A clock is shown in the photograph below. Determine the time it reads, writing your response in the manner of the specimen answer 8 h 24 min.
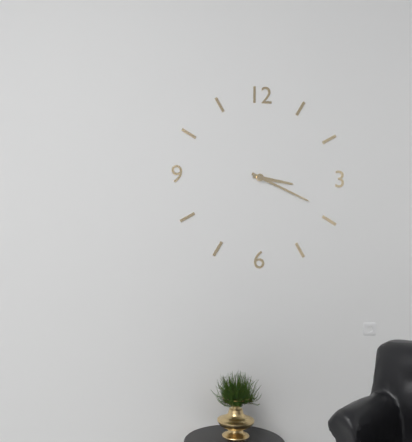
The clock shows 3 h 19 min
